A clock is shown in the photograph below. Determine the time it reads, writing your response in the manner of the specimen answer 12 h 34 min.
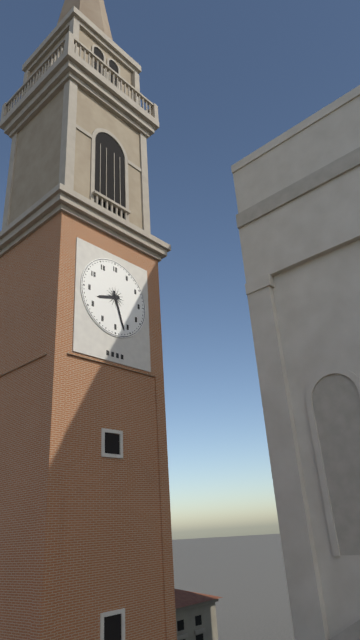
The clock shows 8 h 27 min
